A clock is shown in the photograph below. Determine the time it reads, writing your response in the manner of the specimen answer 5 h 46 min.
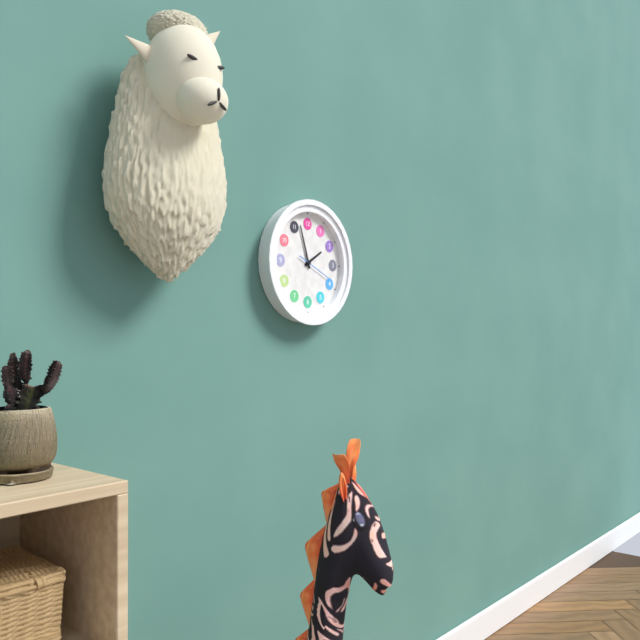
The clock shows 1 h 57 min
